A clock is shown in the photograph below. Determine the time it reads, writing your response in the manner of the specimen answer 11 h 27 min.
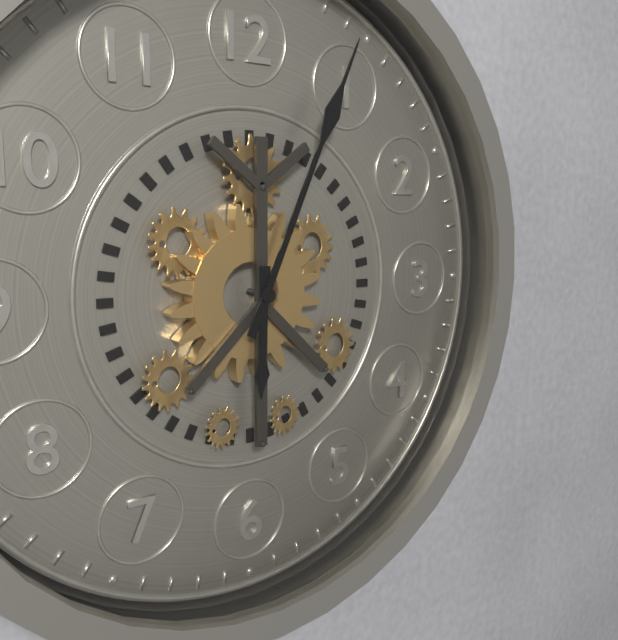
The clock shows 6 h 04 min
